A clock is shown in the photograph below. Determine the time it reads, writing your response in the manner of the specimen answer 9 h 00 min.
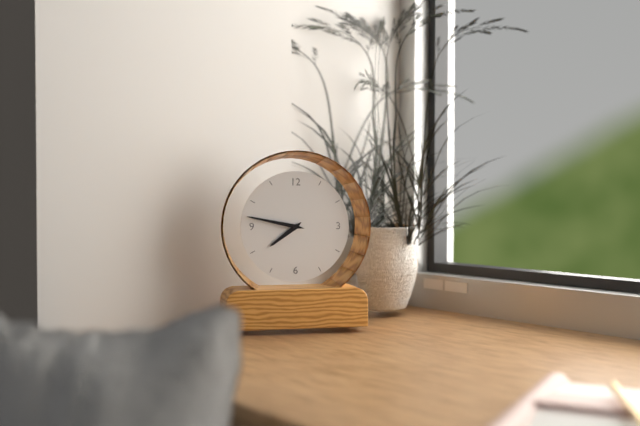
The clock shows 7 h 47 min
